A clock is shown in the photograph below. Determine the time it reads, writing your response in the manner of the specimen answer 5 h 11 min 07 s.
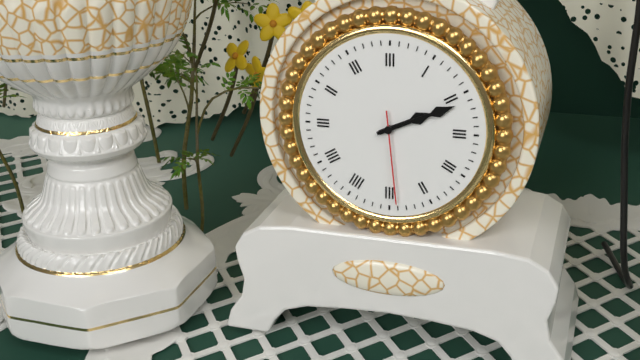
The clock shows 2 h 11 min 29 s
